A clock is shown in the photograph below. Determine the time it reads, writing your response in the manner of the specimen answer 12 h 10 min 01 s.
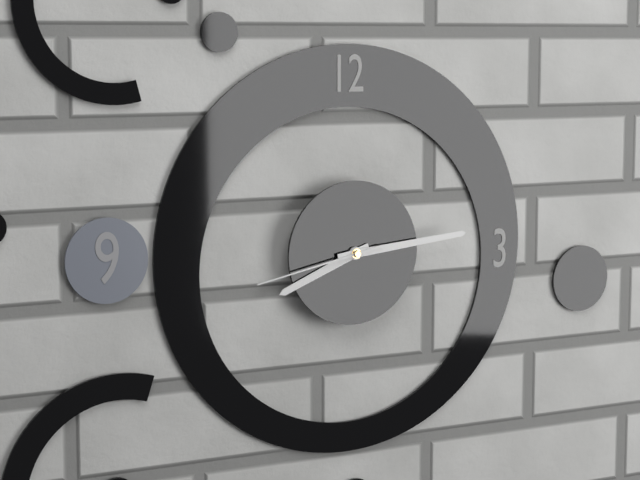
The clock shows 8 h 14 min 43 s
